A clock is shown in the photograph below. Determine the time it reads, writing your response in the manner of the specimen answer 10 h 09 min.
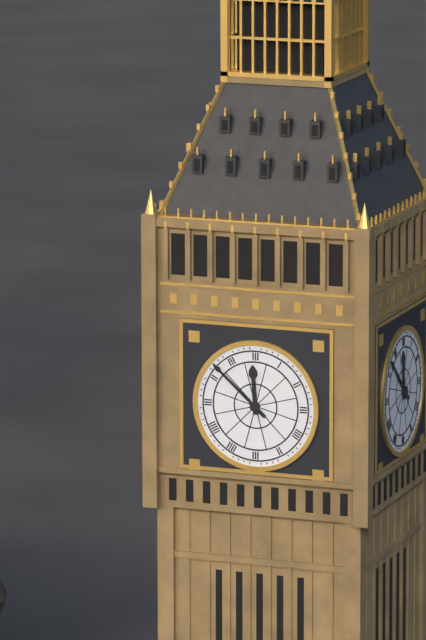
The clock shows 11 h 52 min
